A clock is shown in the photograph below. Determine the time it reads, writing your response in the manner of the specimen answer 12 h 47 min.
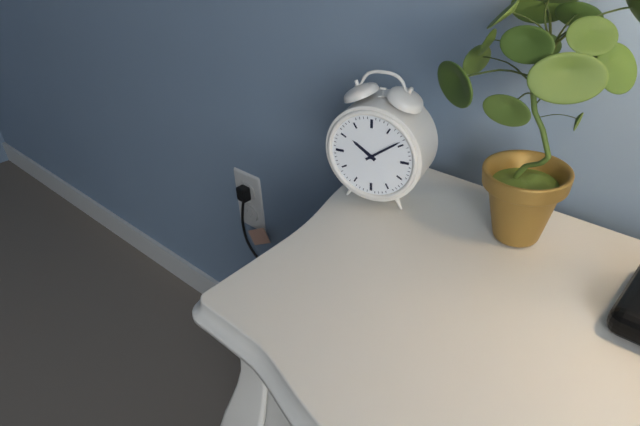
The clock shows 10 h 09 min
